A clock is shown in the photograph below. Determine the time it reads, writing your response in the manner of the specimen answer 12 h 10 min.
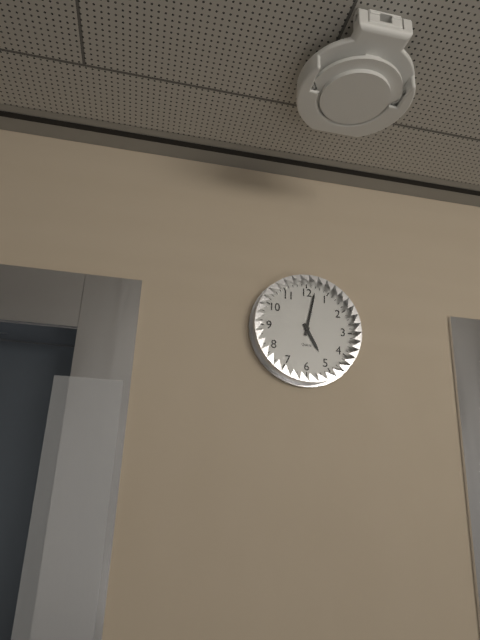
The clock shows 5 h 02 min
